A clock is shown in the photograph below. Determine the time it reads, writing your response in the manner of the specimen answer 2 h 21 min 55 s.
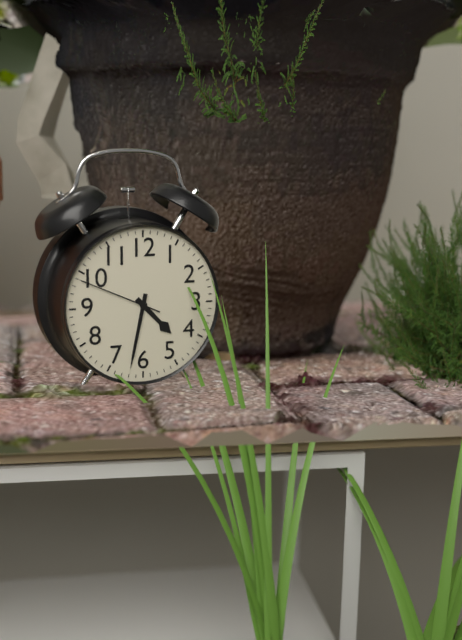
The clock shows 4 h 32 min 49 s
